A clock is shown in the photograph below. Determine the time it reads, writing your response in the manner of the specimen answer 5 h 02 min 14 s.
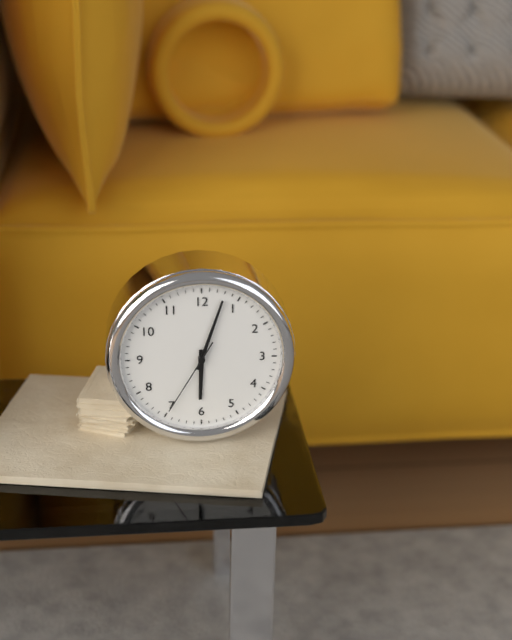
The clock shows 6 h 03 min 35 s
